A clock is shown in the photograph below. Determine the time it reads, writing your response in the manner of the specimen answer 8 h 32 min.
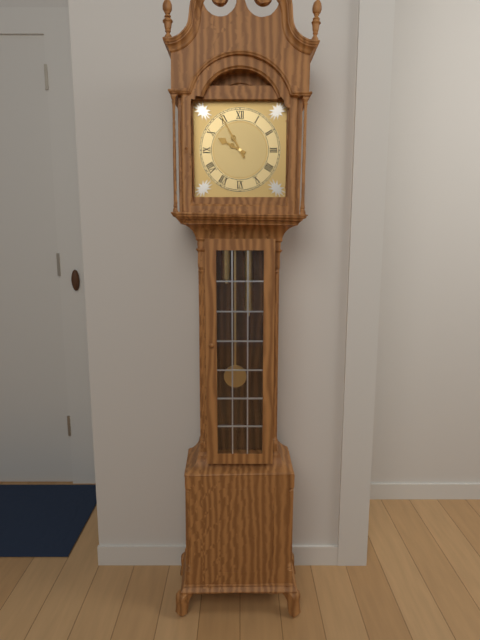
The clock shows 9 h 55 min
